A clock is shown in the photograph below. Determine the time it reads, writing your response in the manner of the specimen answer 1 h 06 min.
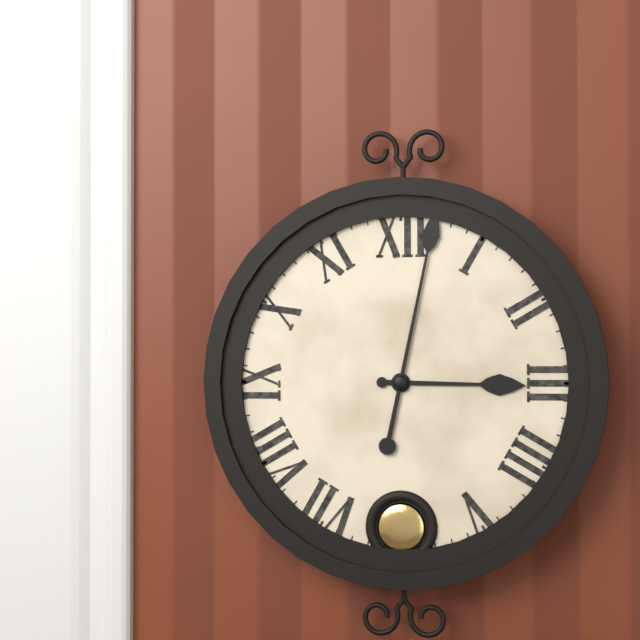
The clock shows 3 h 02 min
